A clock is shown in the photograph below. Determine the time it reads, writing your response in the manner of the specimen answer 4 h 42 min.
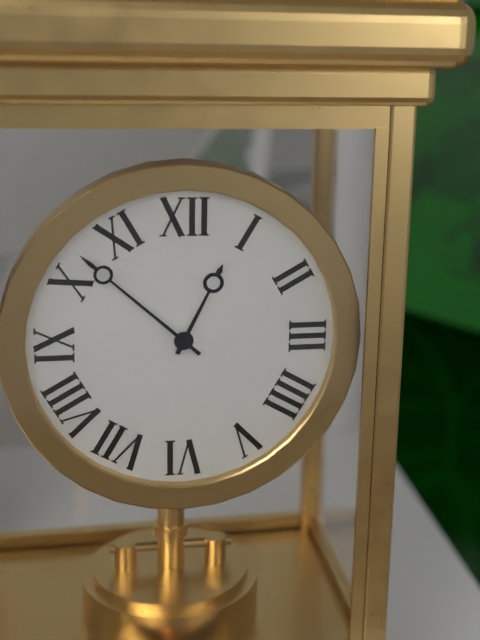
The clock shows 12 h 52 min
